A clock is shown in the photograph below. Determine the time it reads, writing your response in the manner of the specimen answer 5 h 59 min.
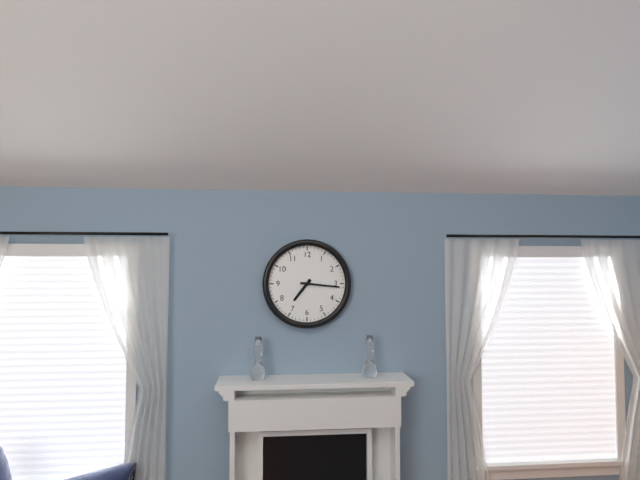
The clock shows 7 h 16 min
